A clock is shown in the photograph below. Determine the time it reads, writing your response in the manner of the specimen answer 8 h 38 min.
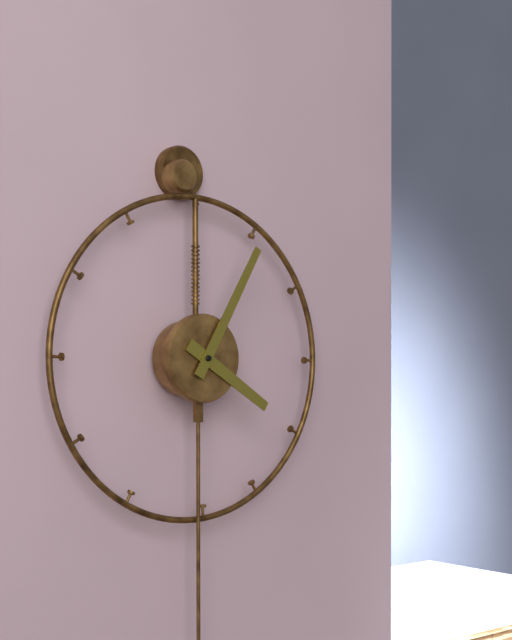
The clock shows 4 h 05 min
